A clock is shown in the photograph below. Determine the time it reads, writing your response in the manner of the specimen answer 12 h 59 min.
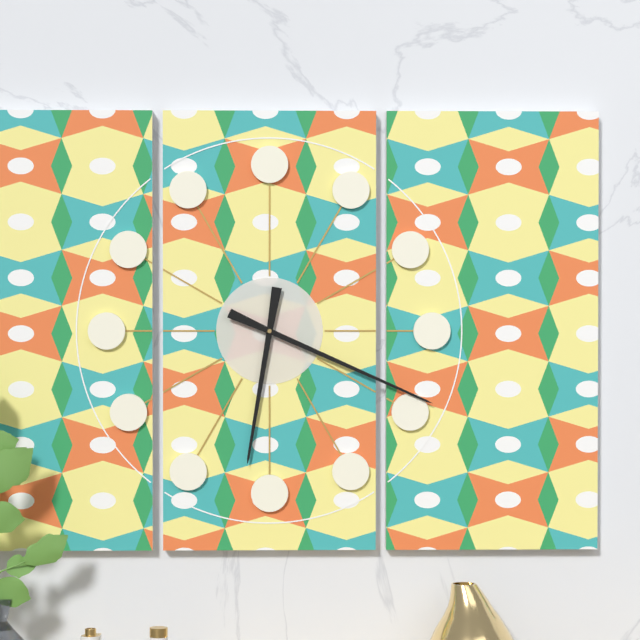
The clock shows 6 h 19 min
